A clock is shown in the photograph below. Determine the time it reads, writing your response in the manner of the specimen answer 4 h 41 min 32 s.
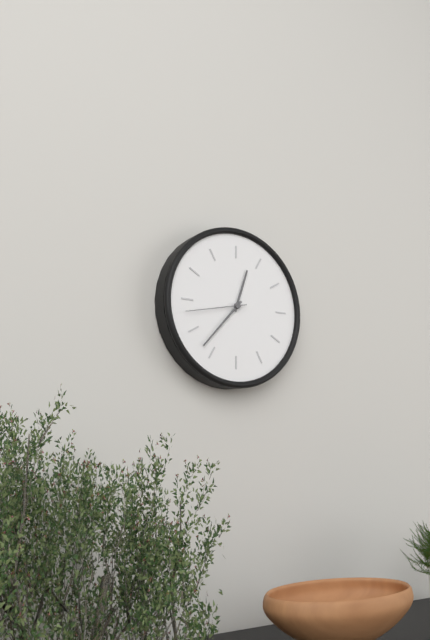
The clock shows 12 h 37 min 43 s
